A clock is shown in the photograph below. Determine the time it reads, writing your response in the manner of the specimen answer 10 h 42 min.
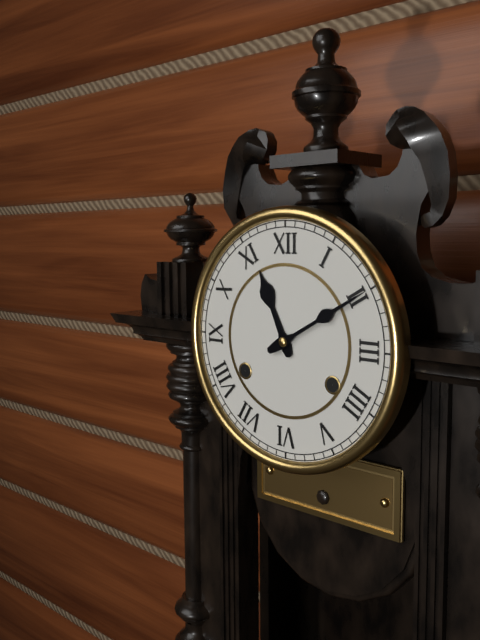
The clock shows 11 h 10 min
